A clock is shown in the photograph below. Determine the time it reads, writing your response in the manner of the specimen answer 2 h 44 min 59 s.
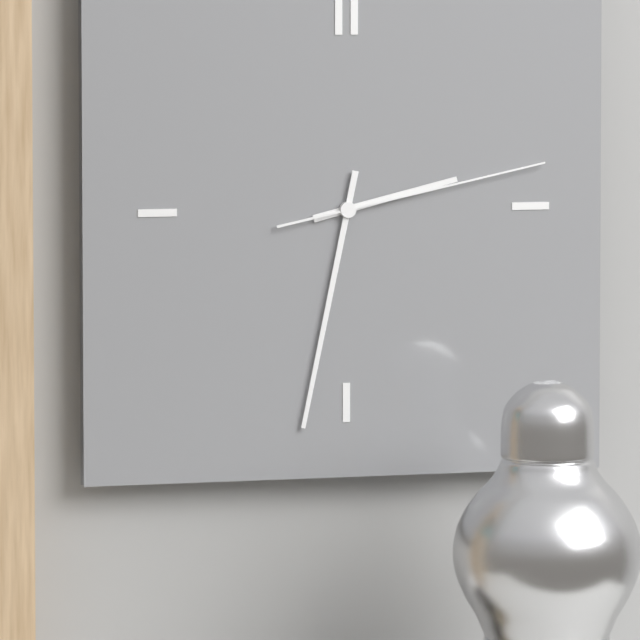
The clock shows 2 h 32 min 13 s
